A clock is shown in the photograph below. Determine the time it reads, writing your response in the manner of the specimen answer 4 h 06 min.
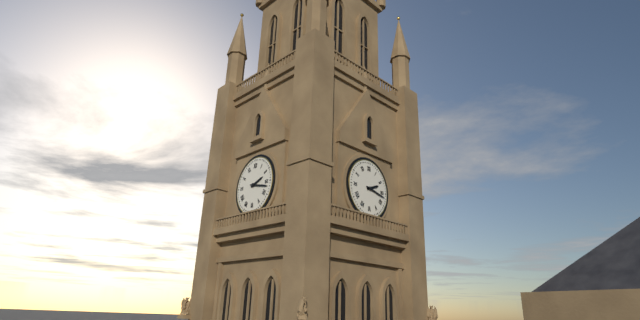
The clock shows 2 h 17 min
